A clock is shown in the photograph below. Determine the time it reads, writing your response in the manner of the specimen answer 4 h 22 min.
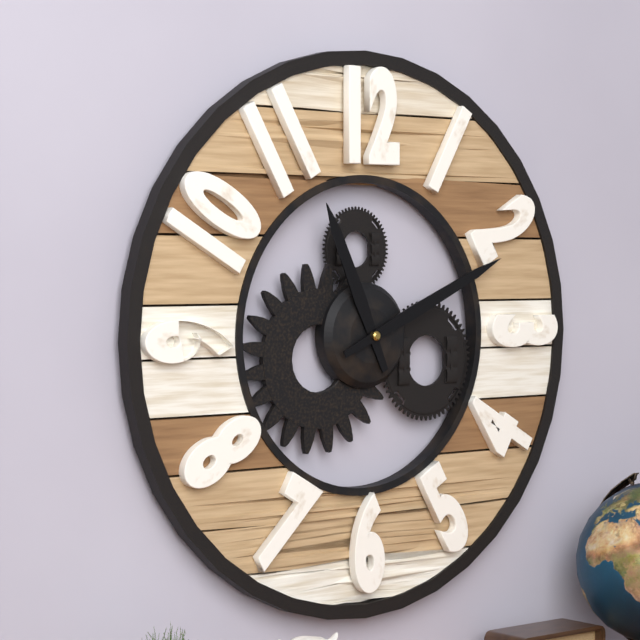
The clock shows 11 h 11 min
